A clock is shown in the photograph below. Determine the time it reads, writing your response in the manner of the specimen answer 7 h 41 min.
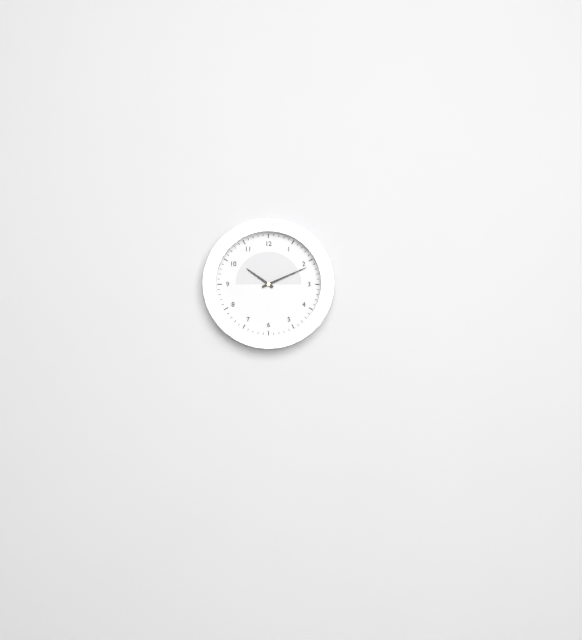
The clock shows 10 h 11 min
